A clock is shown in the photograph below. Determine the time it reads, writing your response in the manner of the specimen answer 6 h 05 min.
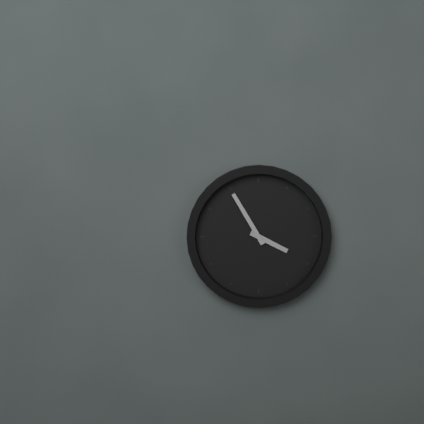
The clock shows 3 h 55 min
